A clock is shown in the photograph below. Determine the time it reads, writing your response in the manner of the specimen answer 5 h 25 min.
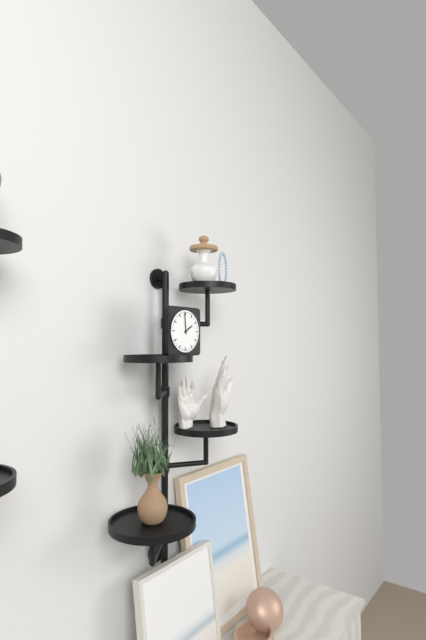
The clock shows 1 h 59 min
